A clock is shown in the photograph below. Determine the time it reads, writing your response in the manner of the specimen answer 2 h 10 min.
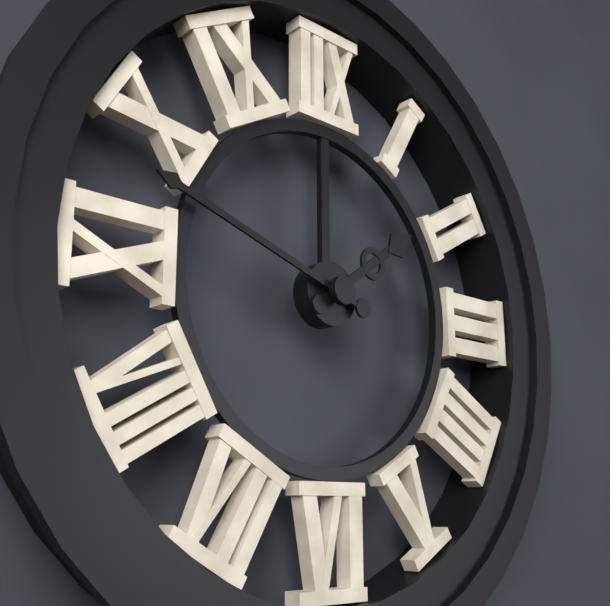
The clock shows 1 h 48 min
